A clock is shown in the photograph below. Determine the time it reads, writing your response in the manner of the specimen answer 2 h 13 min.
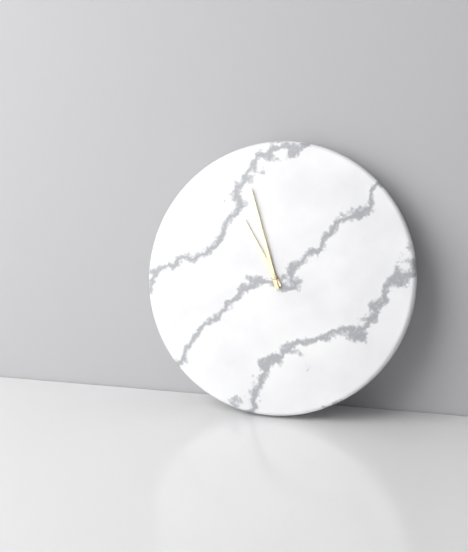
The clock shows 10 h 57 min
